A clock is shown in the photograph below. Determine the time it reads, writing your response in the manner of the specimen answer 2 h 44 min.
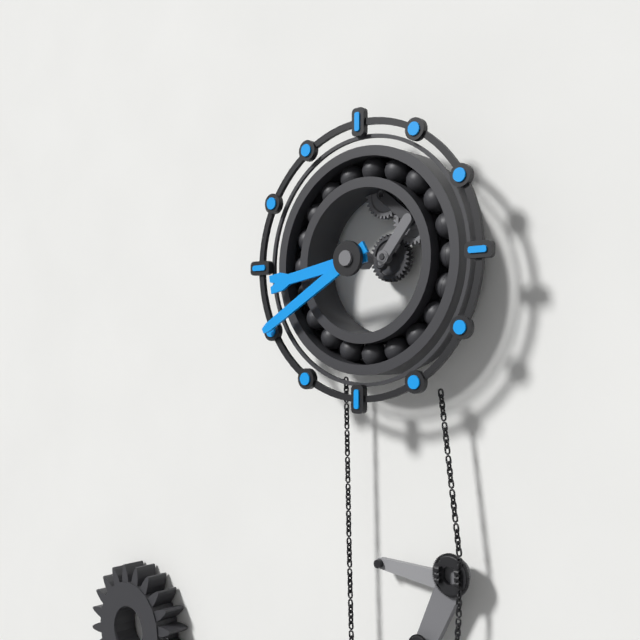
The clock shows 8 h 40 min
